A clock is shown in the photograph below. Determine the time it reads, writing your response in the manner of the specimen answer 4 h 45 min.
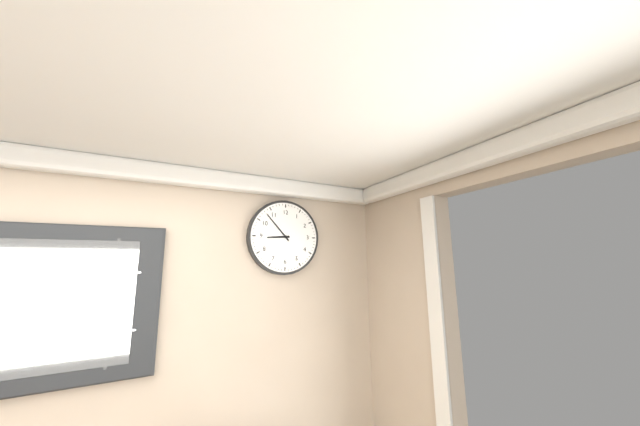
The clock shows 8 h 53 min
